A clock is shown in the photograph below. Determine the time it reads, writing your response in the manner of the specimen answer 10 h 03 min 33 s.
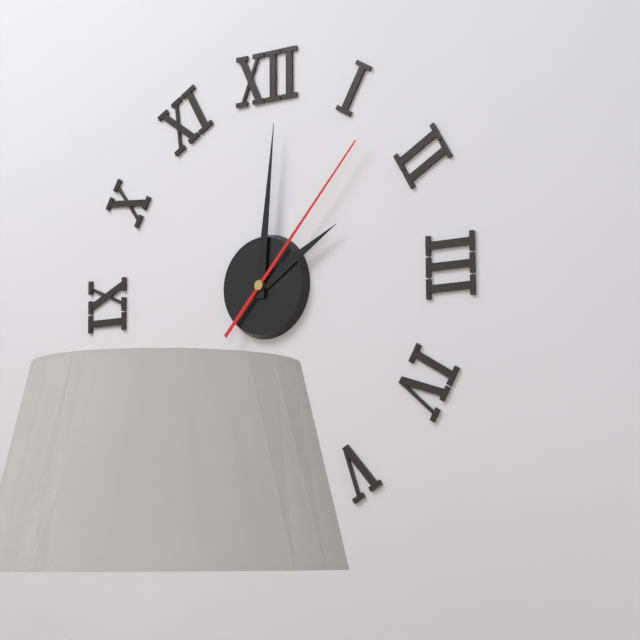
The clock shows 2 h 01 min 07 s
